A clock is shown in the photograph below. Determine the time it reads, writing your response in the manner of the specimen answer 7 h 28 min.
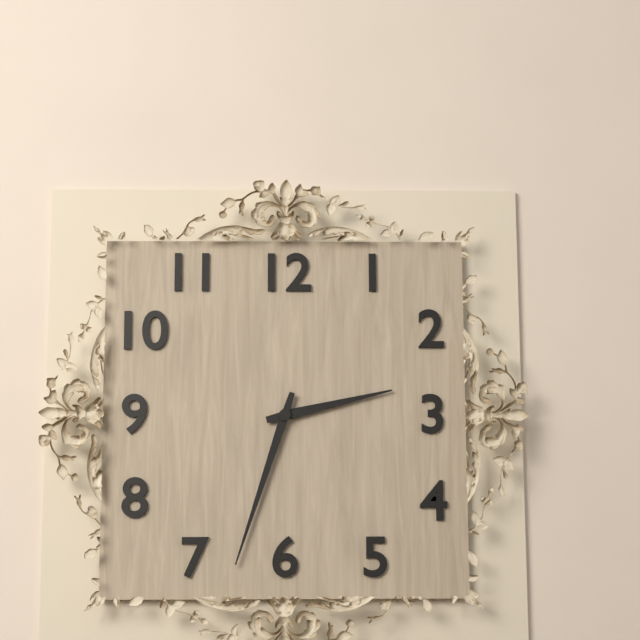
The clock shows 2 h 33 min
